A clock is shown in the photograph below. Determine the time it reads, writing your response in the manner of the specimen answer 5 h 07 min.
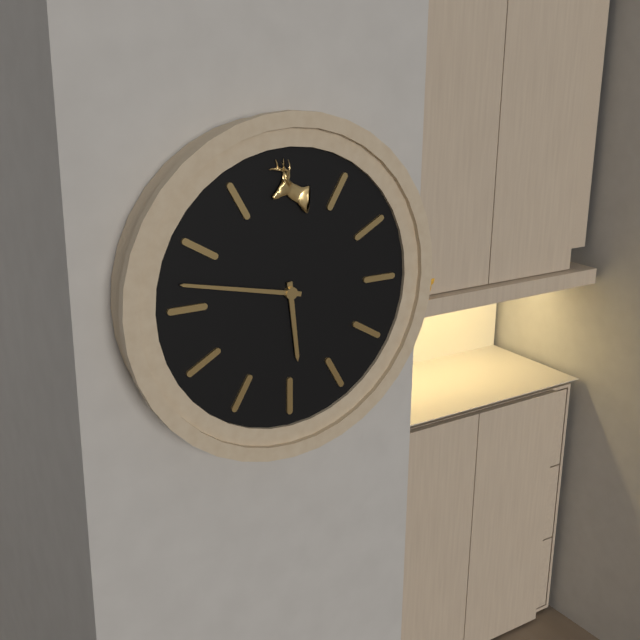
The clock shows 5 h 47 min
